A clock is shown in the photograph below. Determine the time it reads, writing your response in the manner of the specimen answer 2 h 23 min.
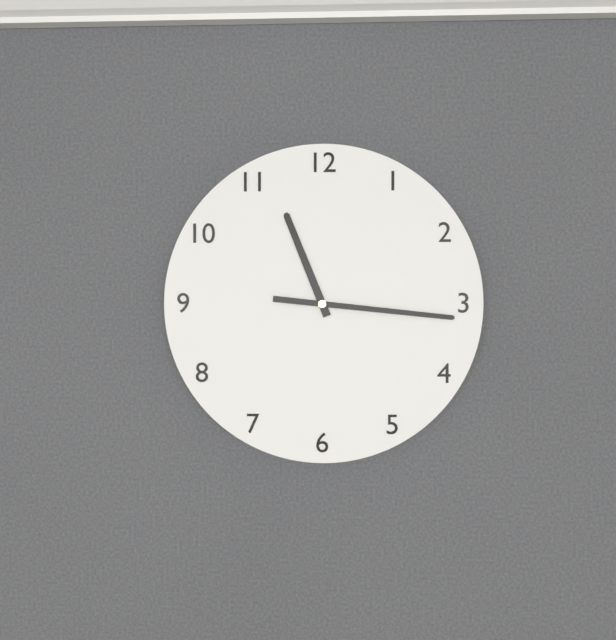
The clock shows 11 h 16 min
